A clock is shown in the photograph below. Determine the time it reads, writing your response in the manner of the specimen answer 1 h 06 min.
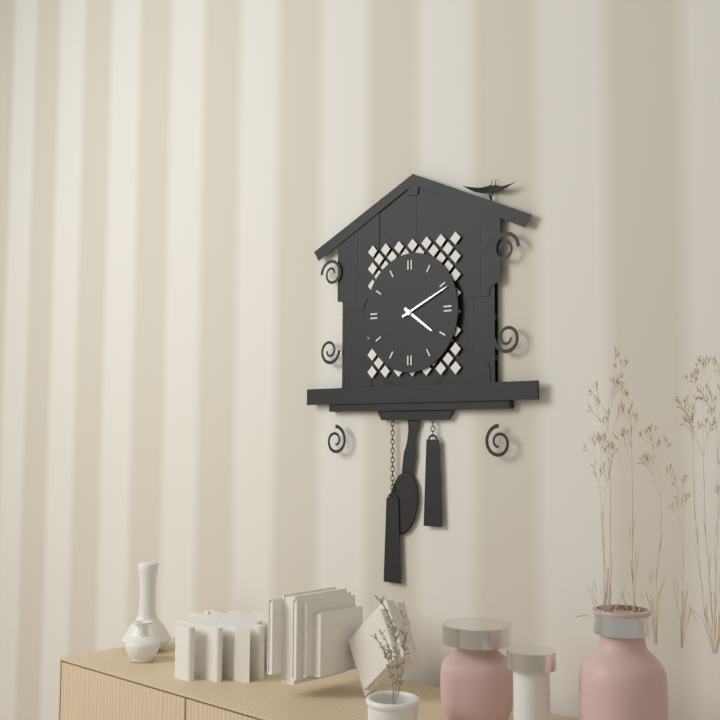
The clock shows 4 h 11 min
